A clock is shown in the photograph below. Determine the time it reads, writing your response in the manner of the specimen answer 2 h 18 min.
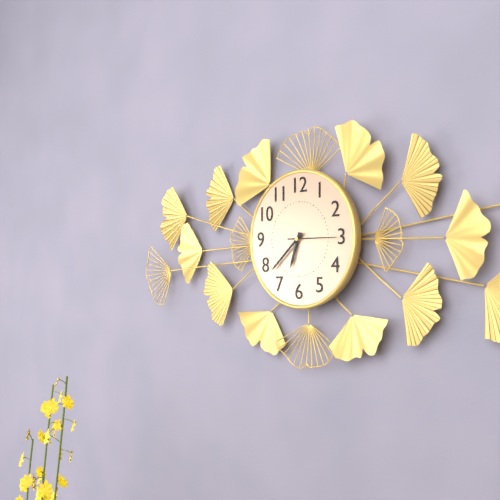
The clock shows 6 h 38 min
